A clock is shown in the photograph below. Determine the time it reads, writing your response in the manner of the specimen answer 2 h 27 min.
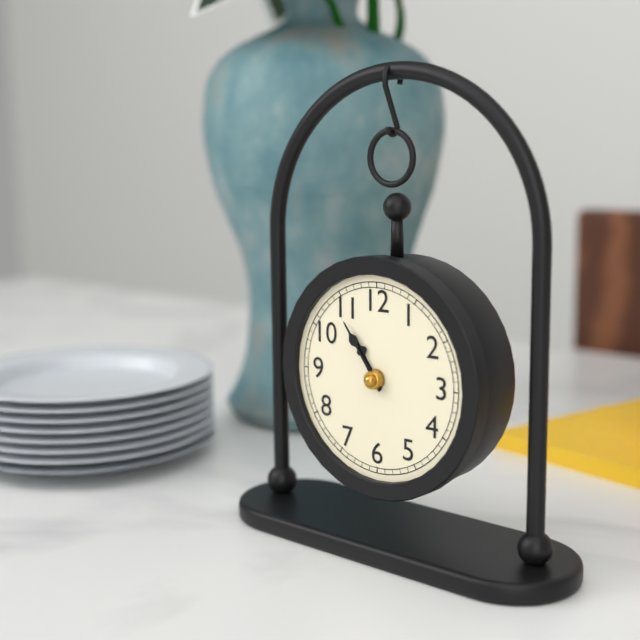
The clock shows 10 h 54 min
